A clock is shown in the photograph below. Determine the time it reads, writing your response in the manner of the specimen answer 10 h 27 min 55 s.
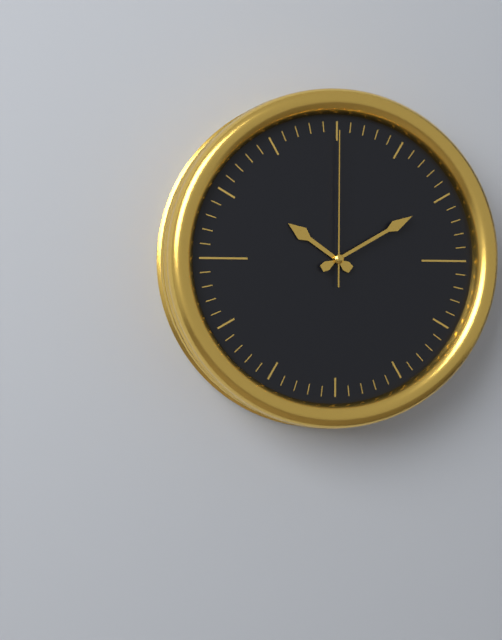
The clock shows 10 h 10 min 00 s
